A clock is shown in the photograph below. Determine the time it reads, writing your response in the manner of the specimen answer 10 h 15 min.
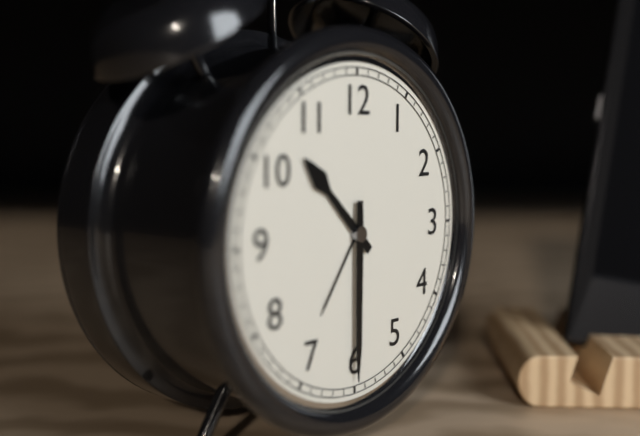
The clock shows 10 h 30 min
